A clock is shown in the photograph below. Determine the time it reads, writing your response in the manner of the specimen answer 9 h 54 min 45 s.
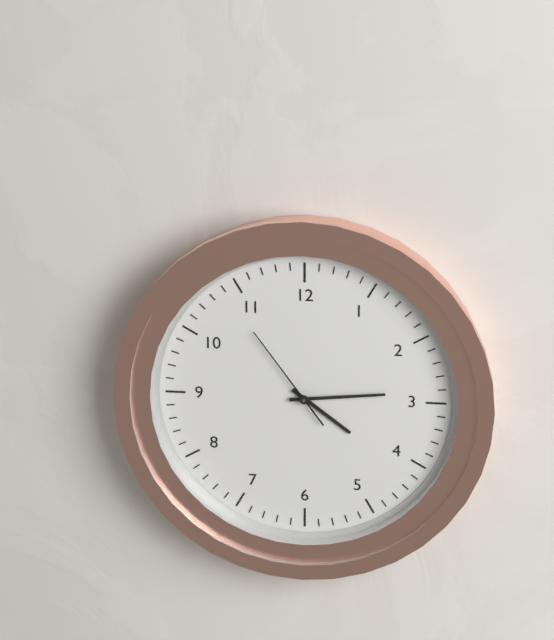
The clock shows 4 h 14 min 54 s
